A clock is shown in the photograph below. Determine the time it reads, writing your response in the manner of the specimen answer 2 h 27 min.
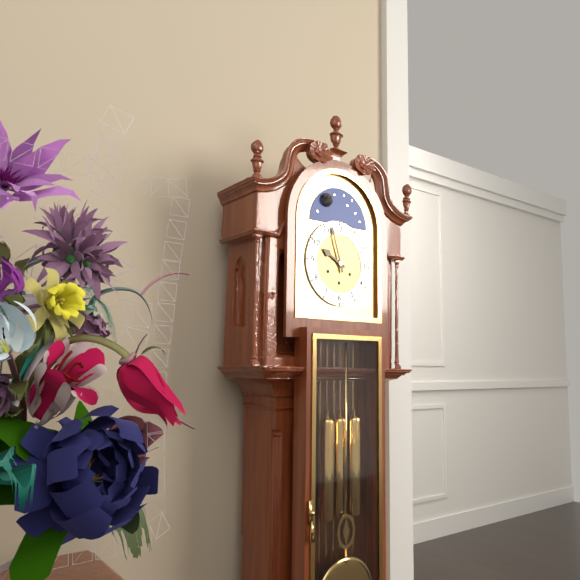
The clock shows 9 h 57 min
